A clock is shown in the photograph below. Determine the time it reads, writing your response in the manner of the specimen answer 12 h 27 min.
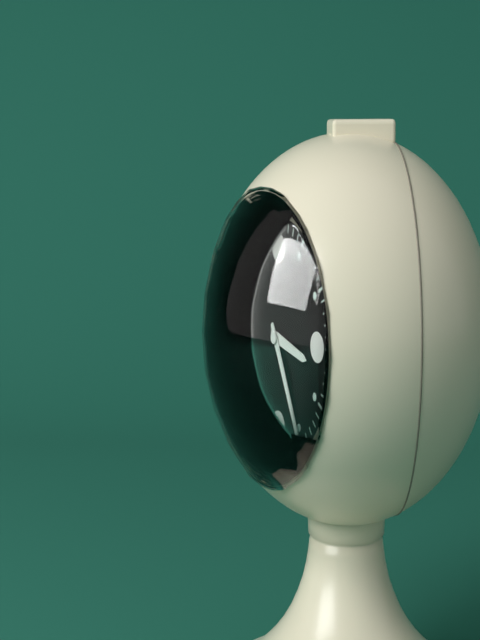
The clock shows 3 h 25 min
